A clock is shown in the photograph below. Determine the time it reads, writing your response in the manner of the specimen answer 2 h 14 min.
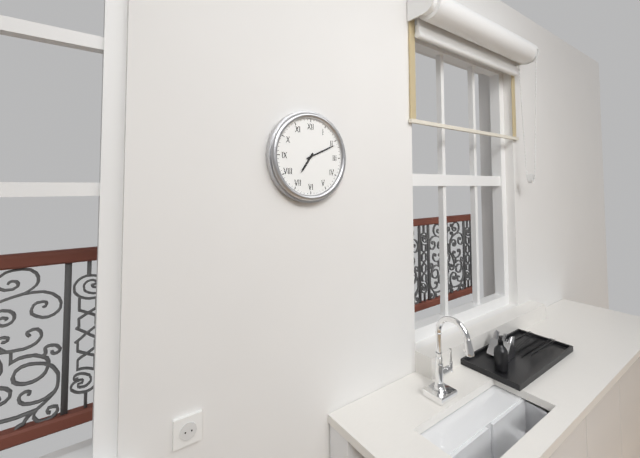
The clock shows 7 h 11 min
